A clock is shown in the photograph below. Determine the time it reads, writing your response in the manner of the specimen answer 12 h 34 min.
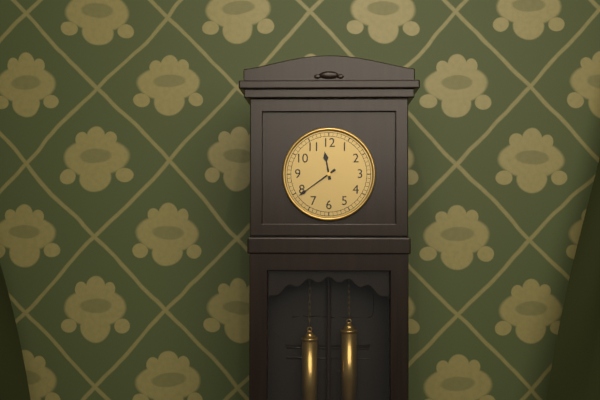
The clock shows 11 h 39 min
